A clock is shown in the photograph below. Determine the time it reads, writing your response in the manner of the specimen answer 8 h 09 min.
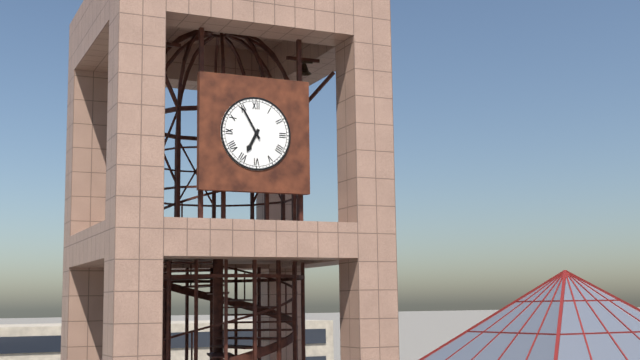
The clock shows 6 h 55 min
